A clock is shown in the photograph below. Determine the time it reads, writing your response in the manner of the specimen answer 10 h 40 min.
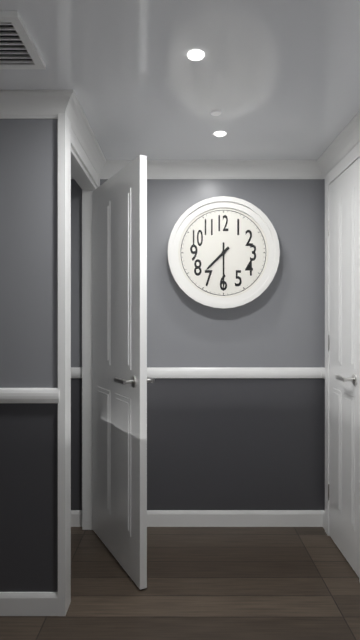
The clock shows 7 h 30 min
